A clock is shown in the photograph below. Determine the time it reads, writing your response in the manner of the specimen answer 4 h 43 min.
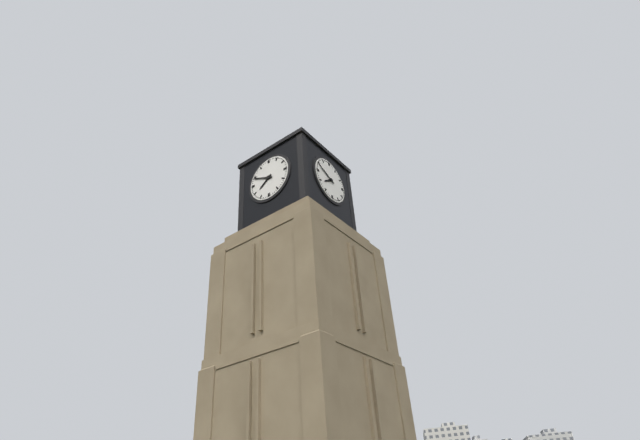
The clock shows 7 h 49 min
